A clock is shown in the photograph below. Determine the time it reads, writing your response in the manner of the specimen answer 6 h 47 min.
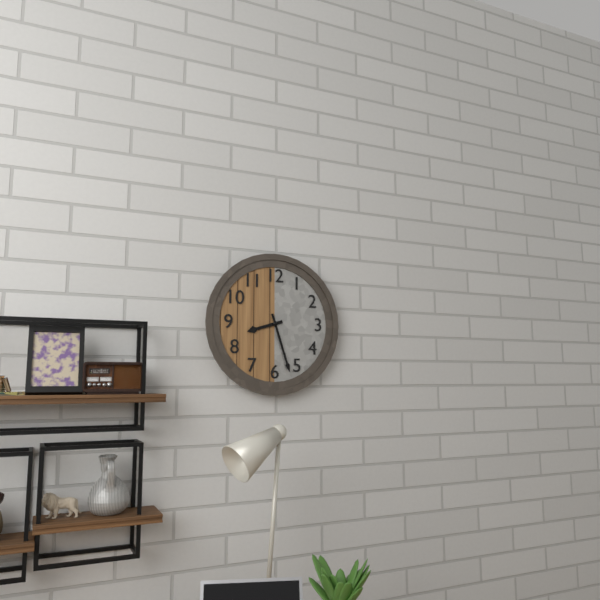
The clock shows 8 h 27 min
